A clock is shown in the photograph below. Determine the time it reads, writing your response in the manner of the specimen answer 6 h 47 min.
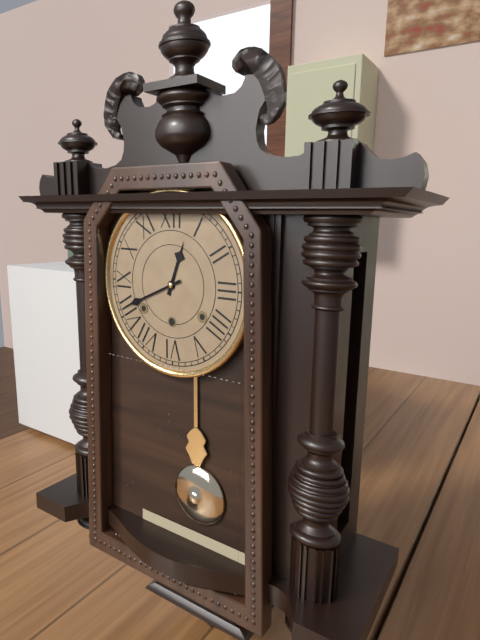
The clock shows 12 h 41 min
